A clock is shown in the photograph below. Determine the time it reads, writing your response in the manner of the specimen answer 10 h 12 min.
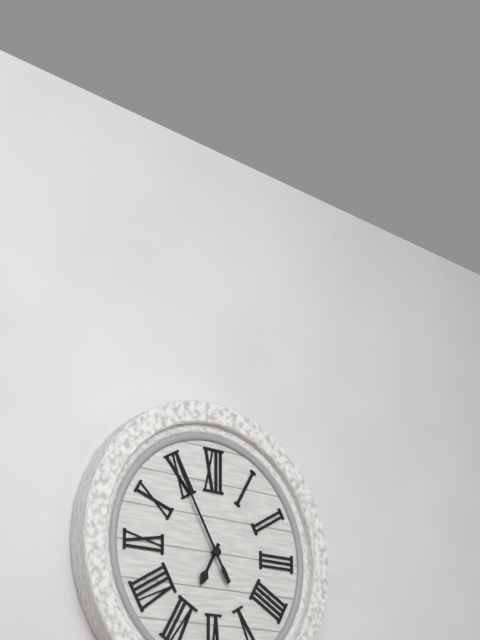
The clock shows 6 h 55 min
